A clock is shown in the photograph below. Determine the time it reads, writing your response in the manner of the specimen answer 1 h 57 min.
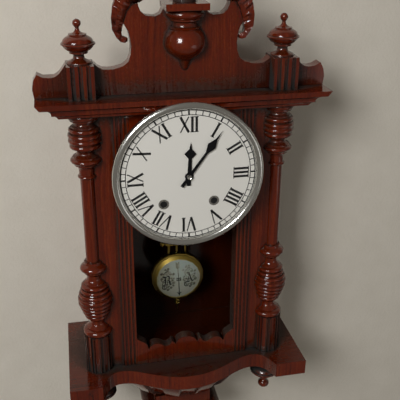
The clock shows 12 h 06 min
